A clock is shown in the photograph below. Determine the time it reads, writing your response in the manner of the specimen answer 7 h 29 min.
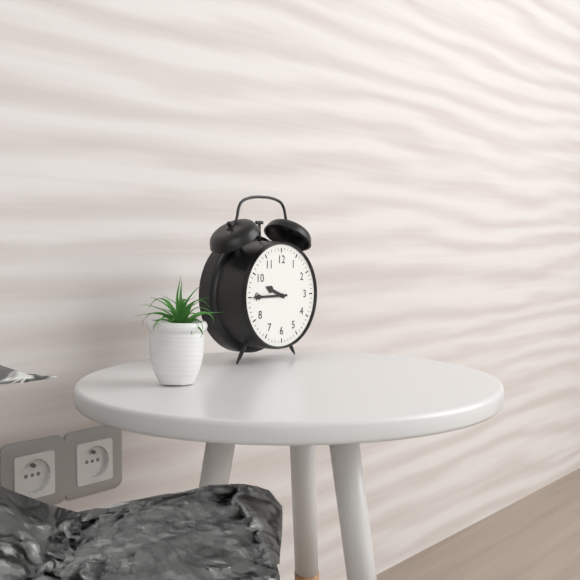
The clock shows 9 h 45 min
